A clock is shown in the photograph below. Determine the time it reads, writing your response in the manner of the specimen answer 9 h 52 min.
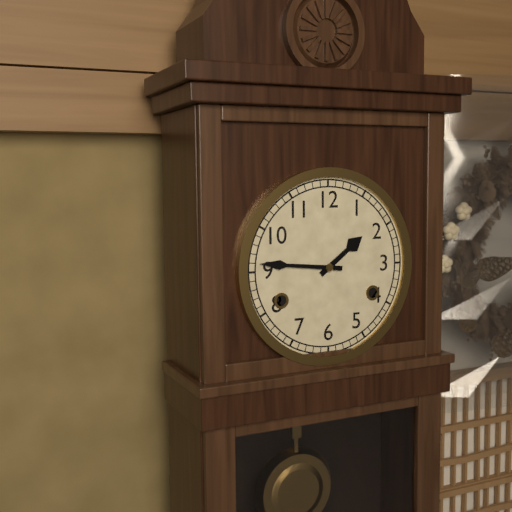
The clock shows 1 h 46 min
